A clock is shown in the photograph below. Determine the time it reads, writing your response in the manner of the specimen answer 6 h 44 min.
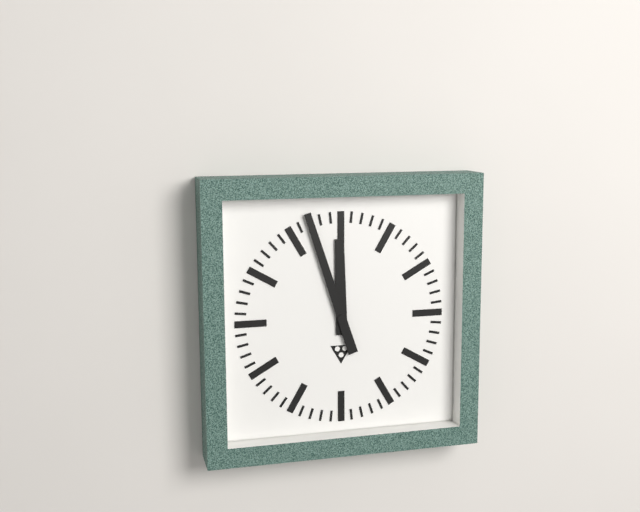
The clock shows 11 h 57 min
